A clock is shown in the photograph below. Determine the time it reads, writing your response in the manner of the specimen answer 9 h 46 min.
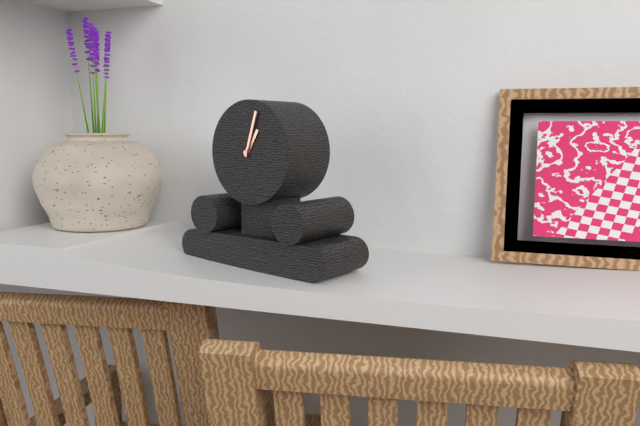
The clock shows 1 h 03 min
